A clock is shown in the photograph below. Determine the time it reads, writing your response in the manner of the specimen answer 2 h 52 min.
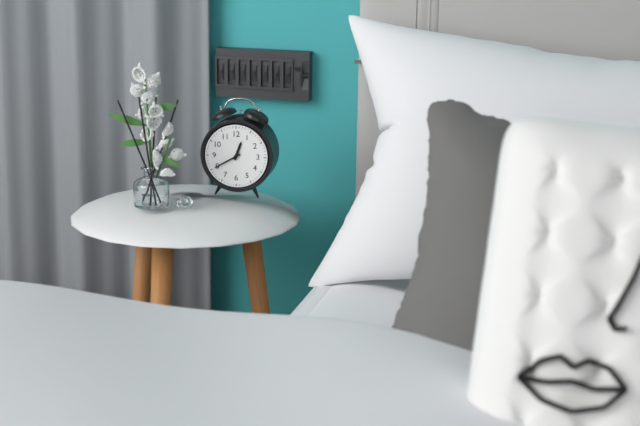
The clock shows 12 h 40 min
